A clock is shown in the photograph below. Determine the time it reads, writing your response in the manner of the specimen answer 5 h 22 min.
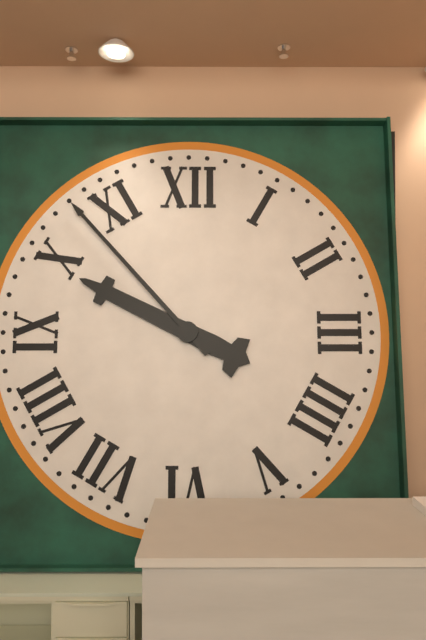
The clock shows 9 h 53 min
